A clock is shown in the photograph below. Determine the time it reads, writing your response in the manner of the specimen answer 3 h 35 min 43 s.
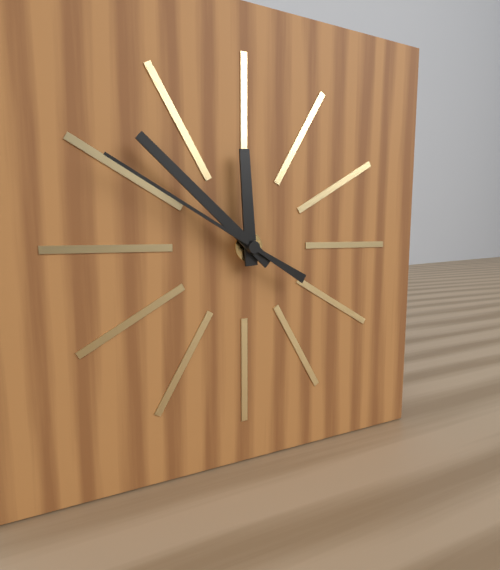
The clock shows 11 h 52 min 50 s
